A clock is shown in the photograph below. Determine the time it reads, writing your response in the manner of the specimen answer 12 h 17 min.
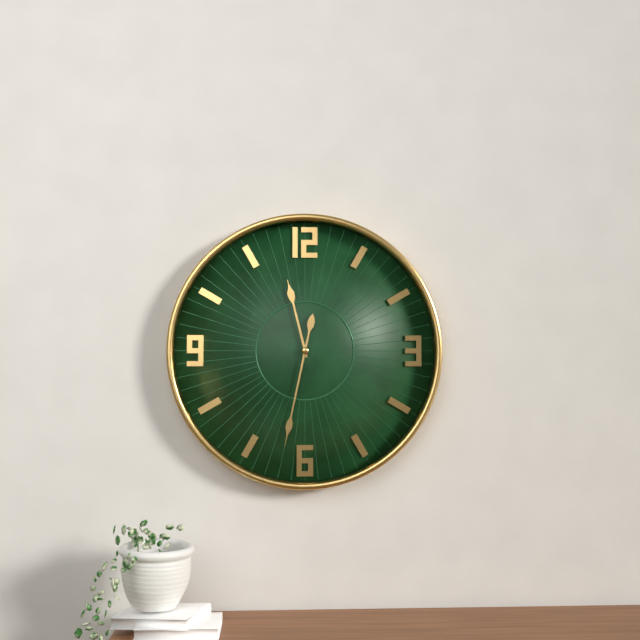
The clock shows 11 h 32 min
